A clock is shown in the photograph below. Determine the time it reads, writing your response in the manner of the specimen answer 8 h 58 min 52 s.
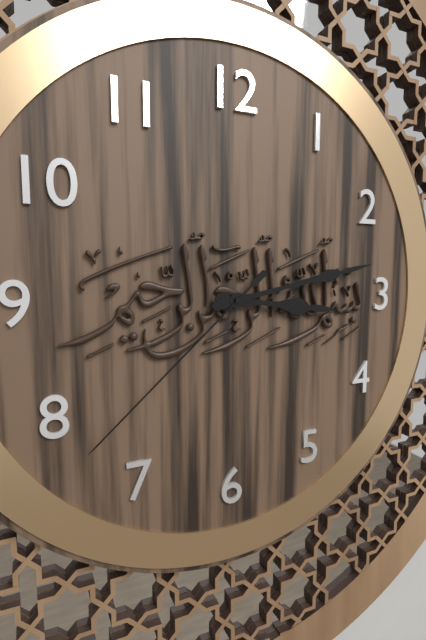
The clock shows 3 h 13 min 38 s
